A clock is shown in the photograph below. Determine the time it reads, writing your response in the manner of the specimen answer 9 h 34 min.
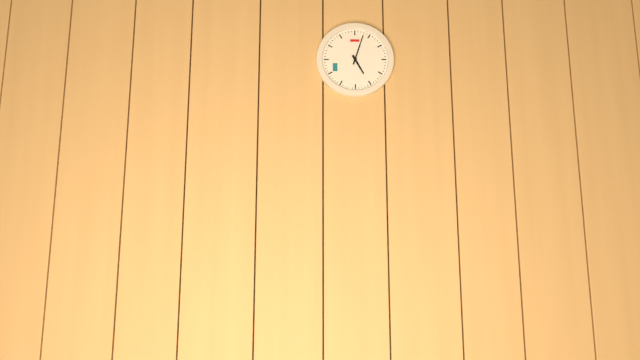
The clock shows 5 h 03 min
